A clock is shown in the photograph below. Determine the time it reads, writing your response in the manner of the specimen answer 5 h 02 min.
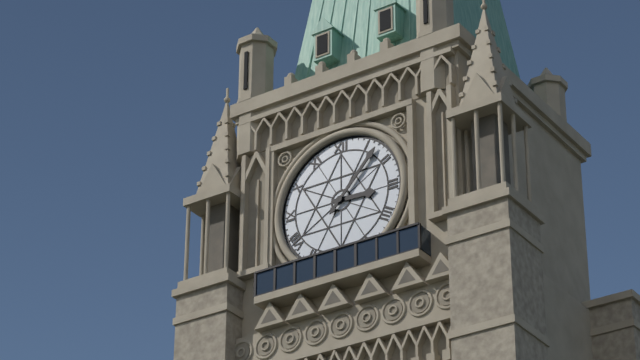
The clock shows 3 h 07 min
